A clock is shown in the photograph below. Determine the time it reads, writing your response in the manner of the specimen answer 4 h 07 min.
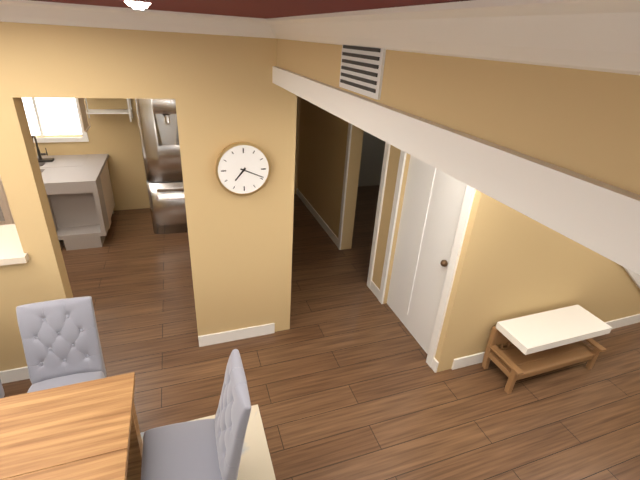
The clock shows 7 h 19 min
